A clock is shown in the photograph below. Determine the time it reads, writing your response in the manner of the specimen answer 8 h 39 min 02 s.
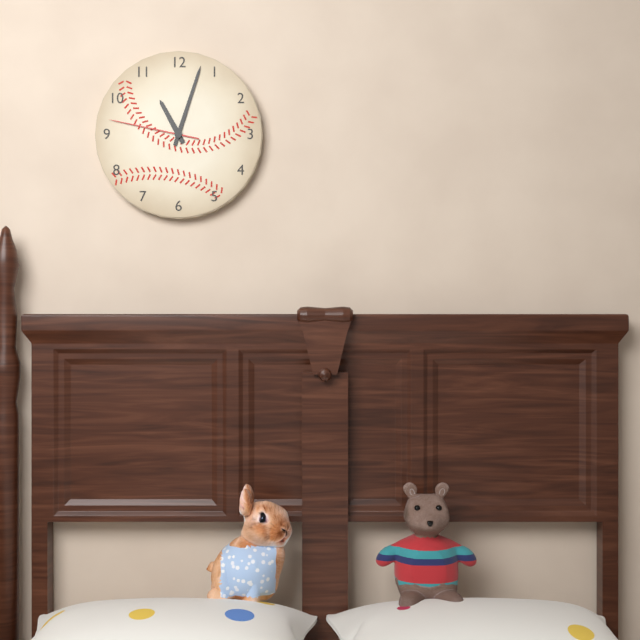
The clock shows 11 h 03 min 47 s
